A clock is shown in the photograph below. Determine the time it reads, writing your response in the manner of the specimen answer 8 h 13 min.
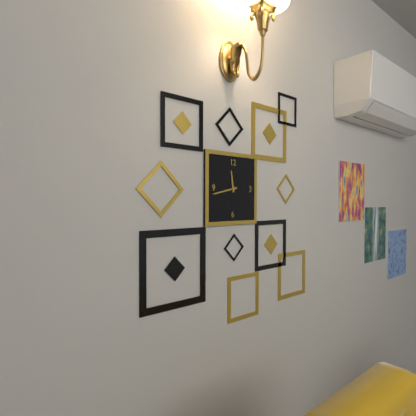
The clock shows 11 h 43 min
